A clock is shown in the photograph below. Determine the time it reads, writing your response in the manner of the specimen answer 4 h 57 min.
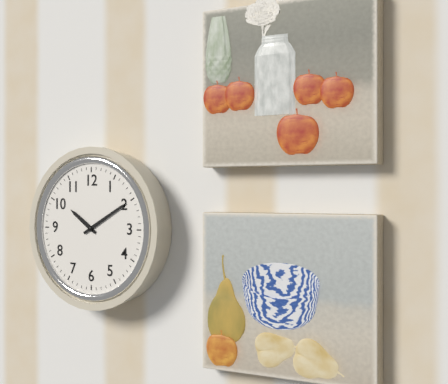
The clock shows 10 h 10 min
